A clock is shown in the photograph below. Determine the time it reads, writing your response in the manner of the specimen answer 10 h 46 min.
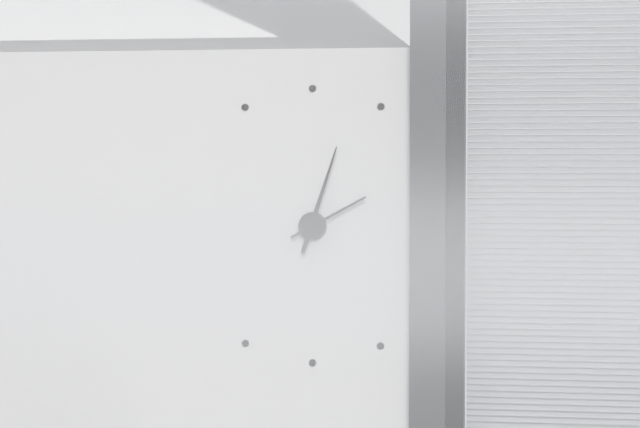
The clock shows 2 h 03 min
